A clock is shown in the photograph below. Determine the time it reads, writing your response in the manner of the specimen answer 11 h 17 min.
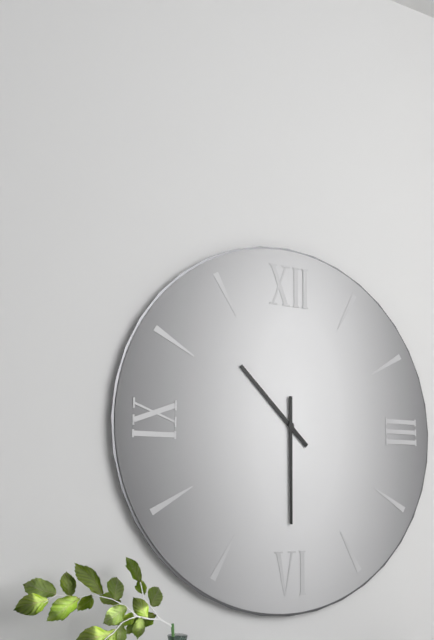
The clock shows 10 h 30 min
